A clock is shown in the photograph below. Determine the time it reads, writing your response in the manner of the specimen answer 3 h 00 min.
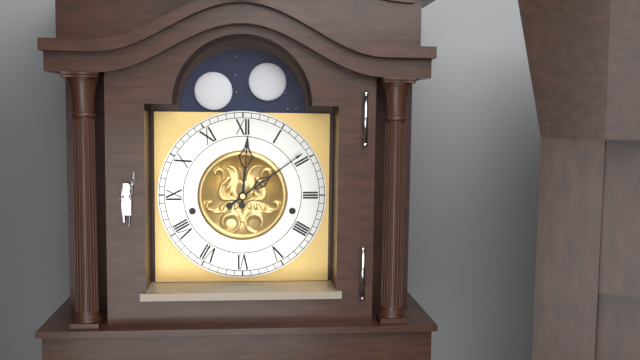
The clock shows 12 h 09 min
